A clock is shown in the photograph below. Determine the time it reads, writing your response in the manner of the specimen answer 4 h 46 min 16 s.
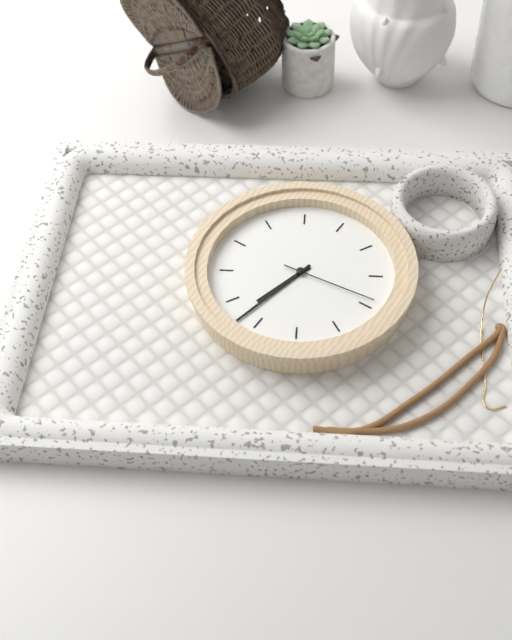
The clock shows 6 h 32 min 14 s
